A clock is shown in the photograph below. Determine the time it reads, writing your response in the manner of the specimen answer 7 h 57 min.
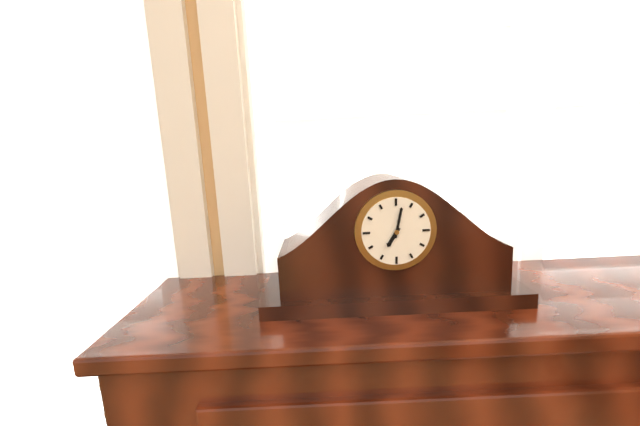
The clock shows 7 h 02 min
